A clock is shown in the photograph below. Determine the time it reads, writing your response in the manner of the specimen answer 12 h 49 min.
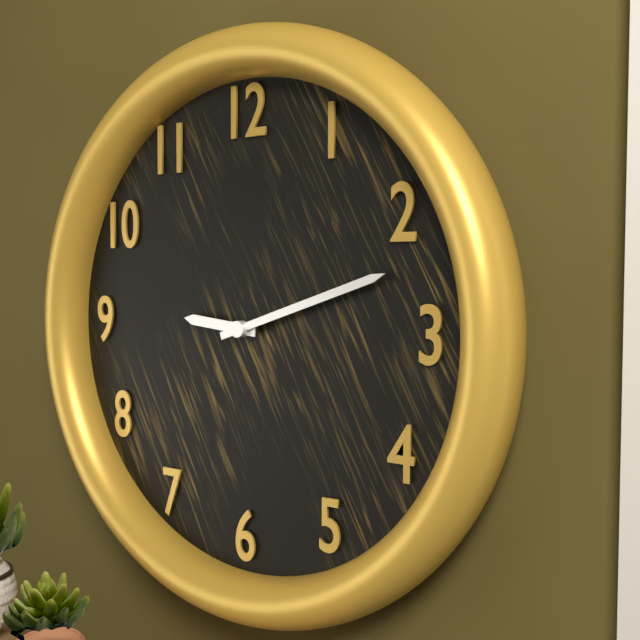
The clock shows 9 h 12 min
